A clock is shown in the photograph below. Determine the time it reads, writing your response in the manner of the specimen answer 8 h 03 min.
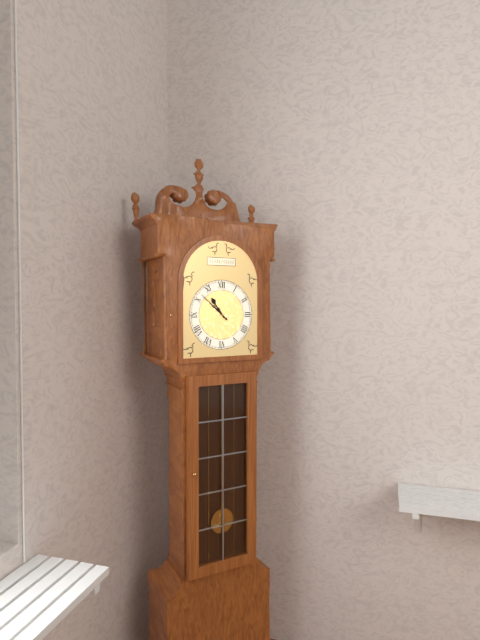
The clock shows 10 h 52 min
